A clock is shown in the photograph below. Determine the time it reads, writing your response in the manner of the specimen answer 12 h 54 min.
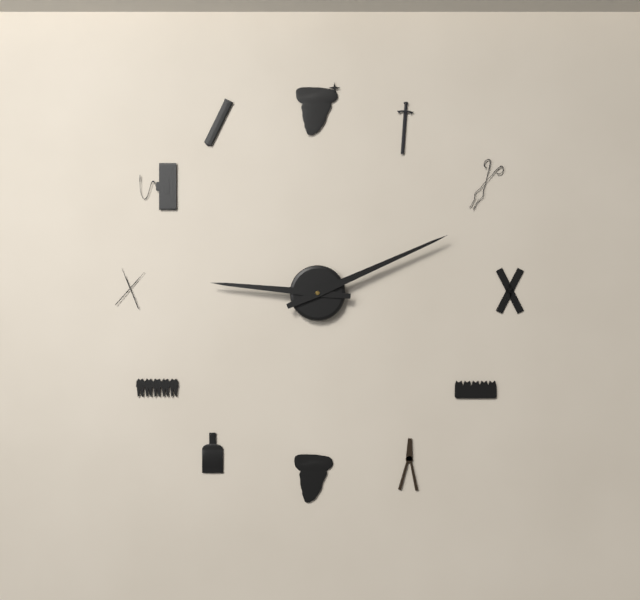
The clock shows 9 h 11 min
